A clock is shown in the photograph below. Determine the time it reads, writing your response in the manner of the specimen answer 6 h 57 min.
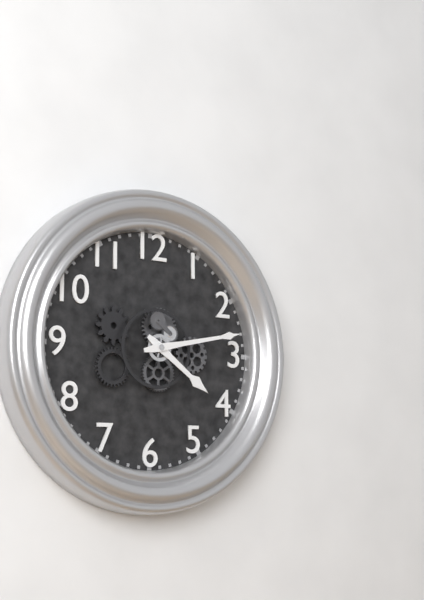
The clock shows 4 h 13 min
